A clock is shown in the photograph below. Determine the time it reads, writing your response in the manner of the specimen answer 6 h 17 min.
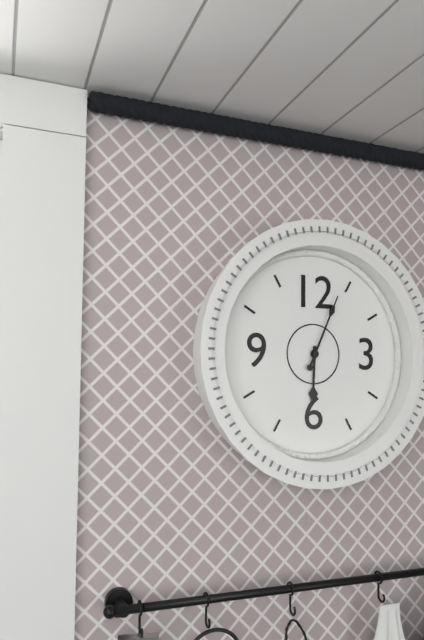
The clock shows 6 h 04 min
